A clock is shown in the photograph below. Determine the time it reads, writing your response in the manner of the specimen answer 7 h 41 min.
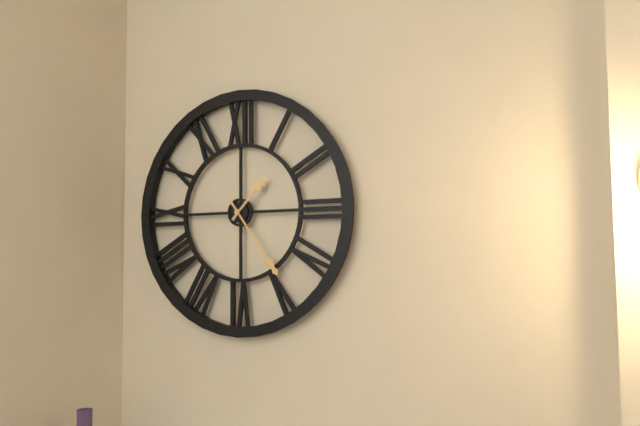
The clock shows 1 h 24 min
